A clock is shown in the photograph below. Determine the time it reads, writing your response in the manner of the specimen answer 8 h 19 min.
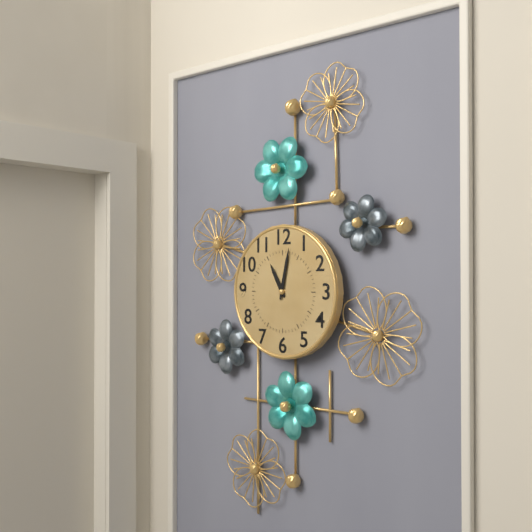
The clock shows 11 h 02 min
